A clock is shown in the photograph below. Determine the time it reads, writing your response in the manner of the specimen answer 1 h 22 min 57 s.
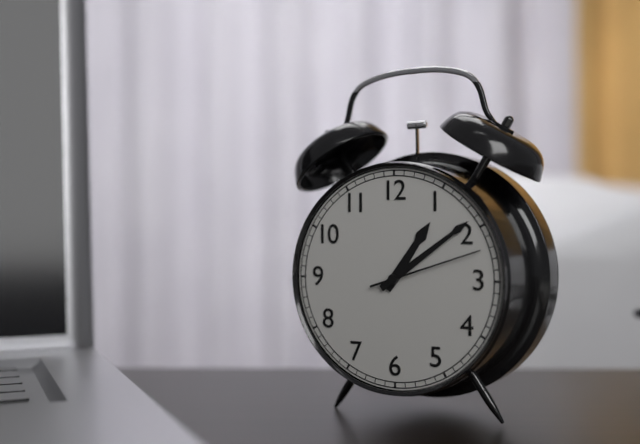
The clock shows 1 h 09 min 12 s
